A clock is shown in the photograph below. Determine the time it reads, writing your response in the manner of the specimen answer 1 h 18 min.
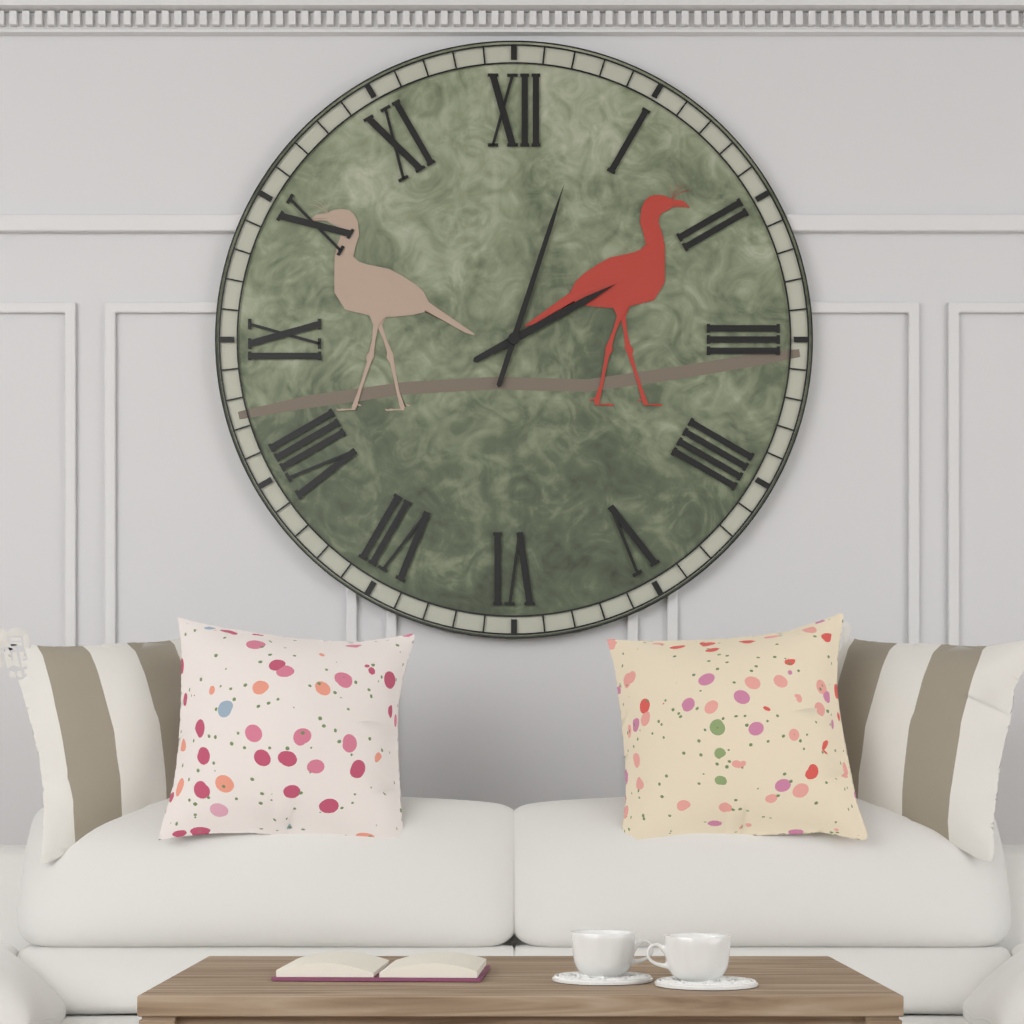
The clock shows 2 h 03 min
